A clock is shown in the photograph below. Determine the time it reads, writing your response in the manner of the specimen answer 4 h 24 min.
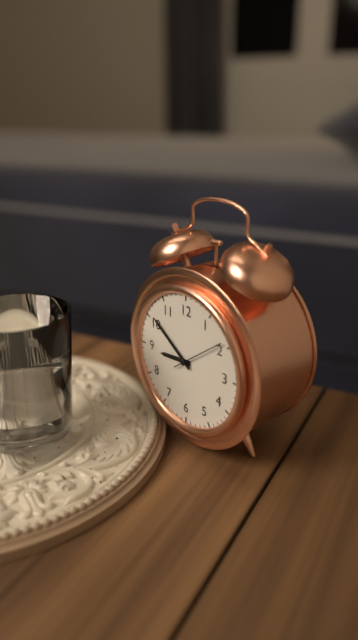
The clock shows 8 h 51 min
